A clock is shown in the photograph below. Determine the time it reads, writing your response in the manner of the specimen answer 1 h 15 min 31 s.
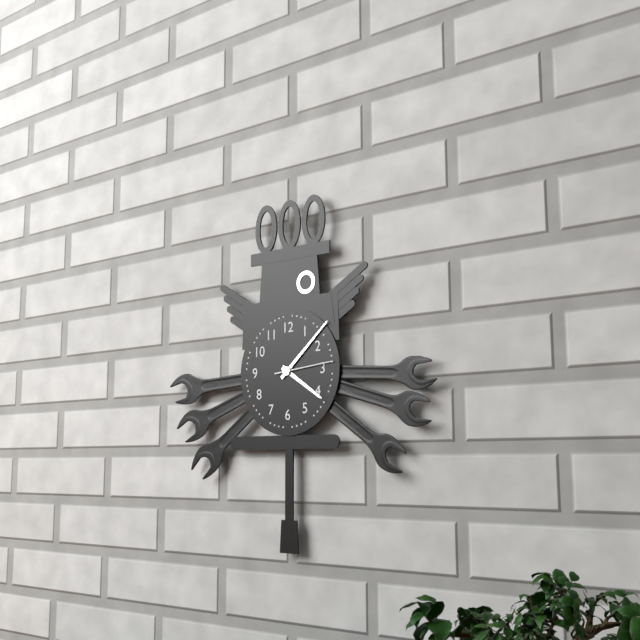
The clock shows 4 h 08 min 14 s
